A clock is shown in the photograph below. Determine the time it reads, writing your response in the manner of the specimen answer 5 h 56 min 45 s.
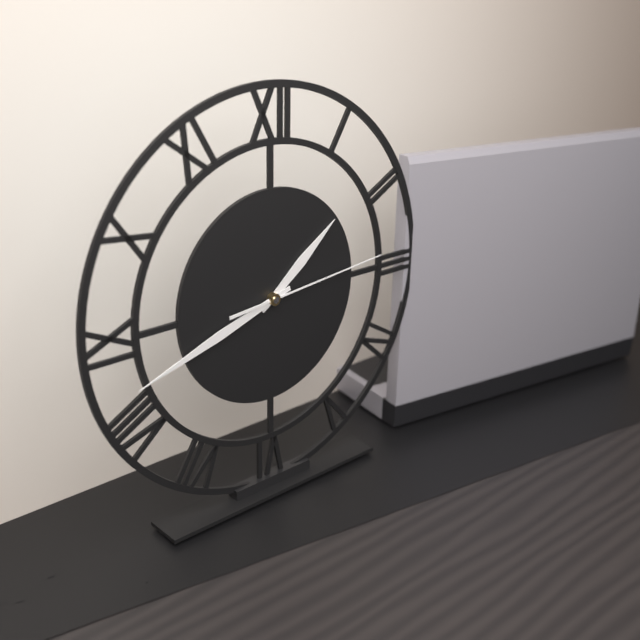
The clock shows 1 h 42 min 14 s
